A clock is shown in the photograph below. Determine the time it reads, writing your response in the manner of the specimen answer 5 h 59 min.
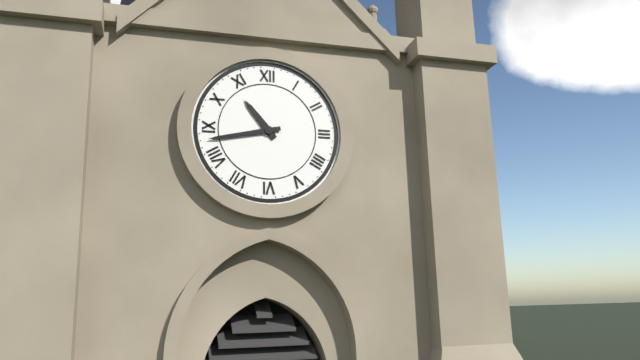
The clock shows 10 h 43 min
